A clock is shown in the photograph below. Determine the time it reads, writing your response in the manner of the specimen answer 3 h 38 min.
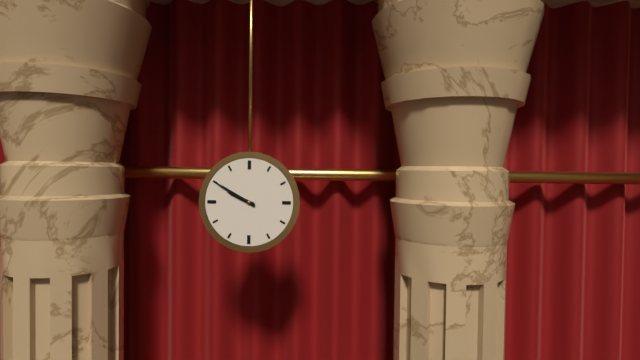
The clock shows 9 h 50 min
